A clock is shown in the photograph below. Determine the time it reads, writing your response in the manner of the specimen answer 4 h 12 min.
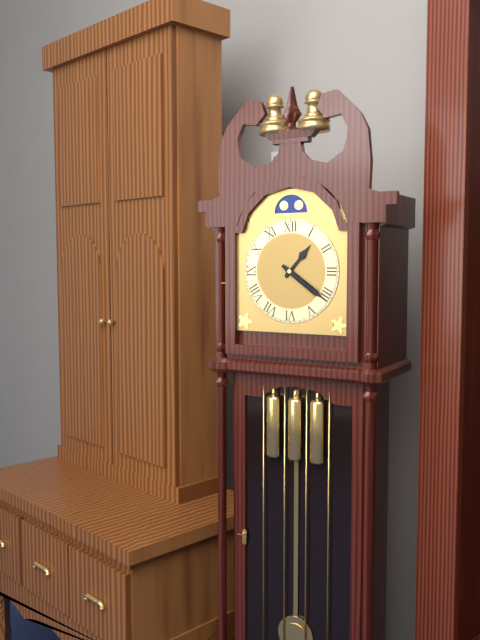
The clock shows 1 h 21 min
